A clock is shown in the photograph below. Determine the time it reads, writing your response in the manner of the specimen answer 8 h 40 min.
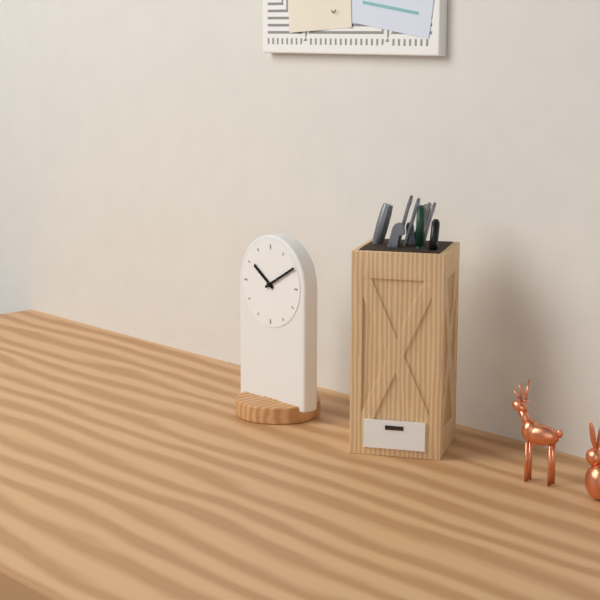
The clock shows 10 h 10 min
